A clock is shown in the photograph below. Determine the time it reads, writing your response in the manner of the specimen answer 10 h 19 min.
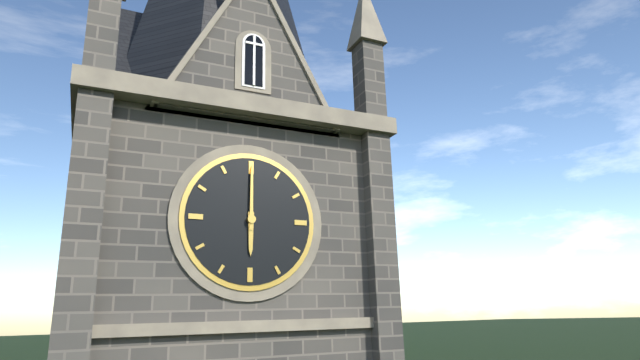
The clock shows 6 h 00 min
